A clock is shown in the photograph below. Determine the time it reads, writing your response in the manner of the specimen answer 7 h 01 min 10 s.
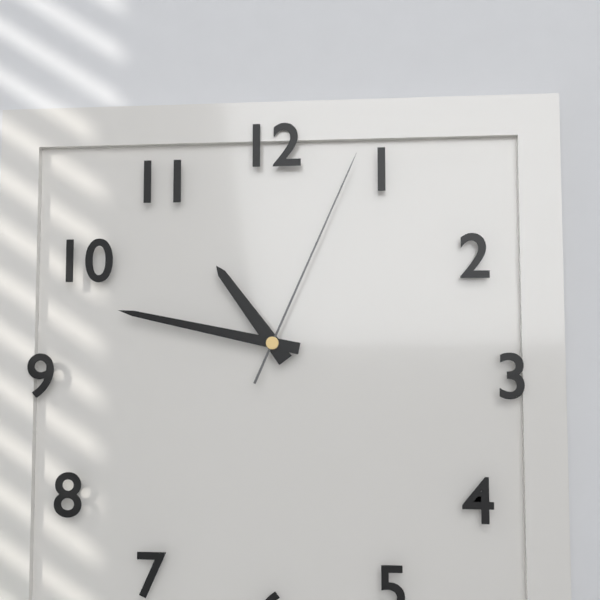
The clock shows 10 h 47 min 04 s
